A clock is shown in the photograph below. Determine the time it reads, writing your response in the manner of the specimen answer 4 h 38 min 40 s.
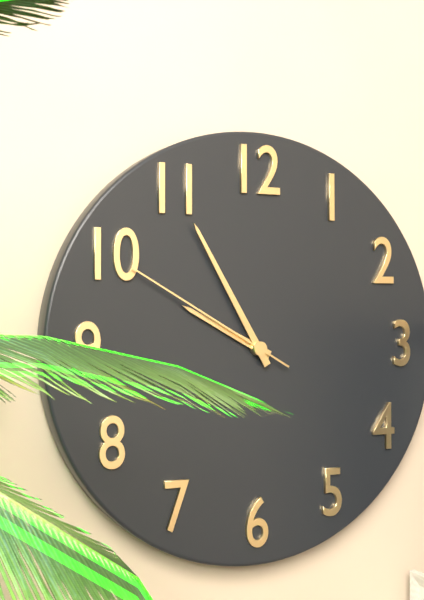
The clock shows 9 h 55 min 50 s
